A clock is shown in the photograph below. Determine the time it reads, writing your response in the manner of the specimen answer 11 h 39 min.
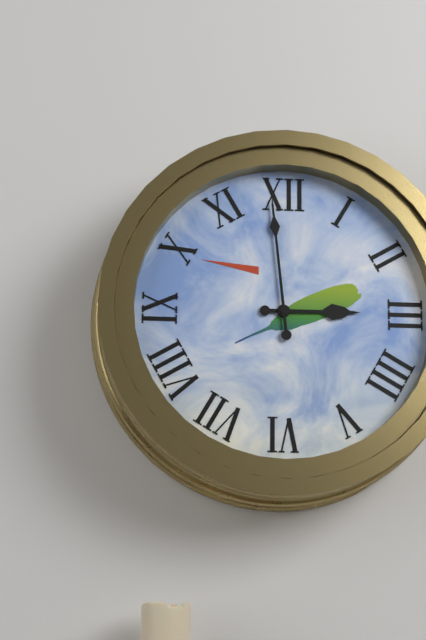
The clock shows 2 h 59 min
